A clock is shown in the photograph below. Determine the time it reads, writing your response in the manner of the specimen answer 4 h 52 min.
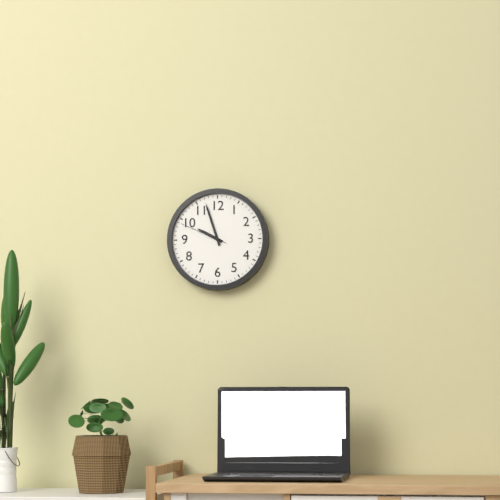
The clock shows 9 h 57 min
